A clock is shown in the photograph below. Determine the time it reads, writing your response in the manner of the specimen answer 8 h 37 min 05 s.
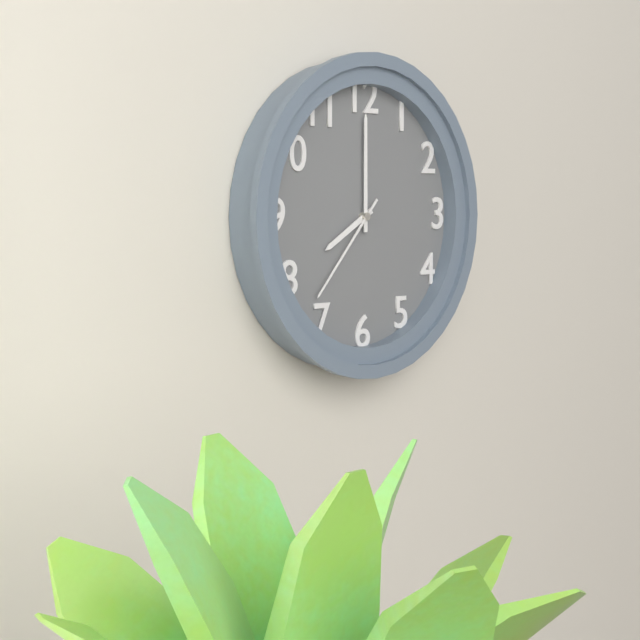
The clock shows 8 h 00 min 37 s
